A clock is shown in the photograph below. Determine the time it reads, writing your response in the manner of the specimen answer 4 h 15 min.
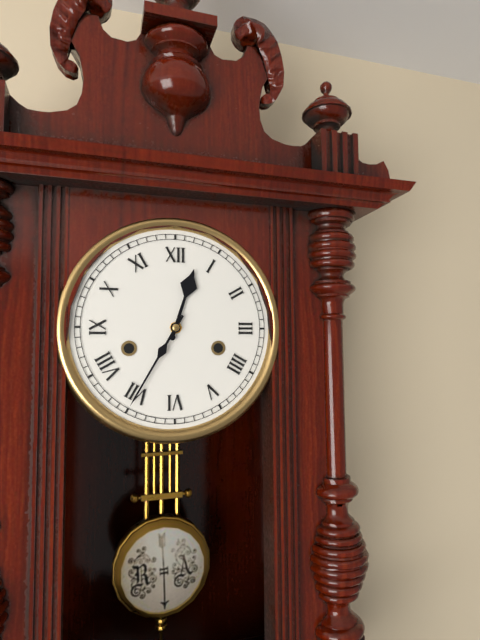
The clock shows 12 h 35 min
